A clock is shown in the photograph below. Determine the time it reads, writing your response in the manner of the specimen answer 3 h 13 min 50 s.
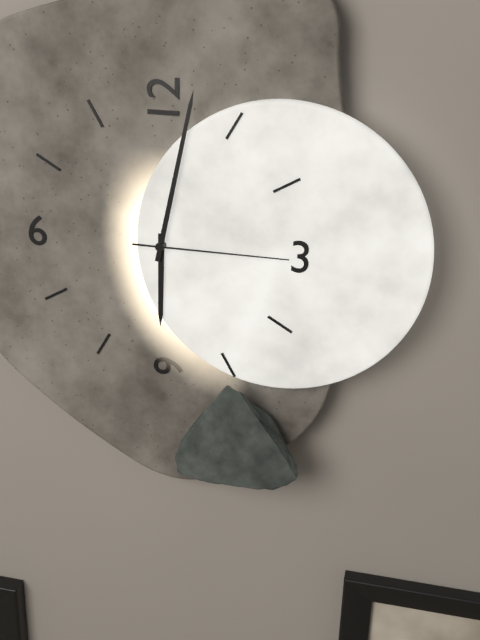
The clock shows 6 h 02 min 15 s
